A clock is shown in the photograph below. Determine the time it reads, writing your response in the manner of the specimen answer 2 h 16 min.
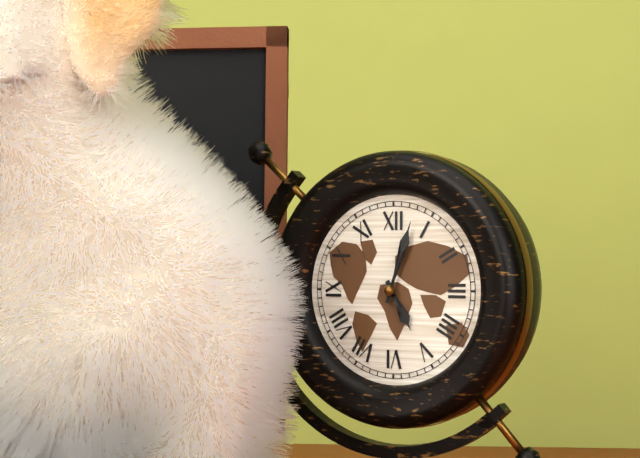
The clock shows 5 h 03 min
